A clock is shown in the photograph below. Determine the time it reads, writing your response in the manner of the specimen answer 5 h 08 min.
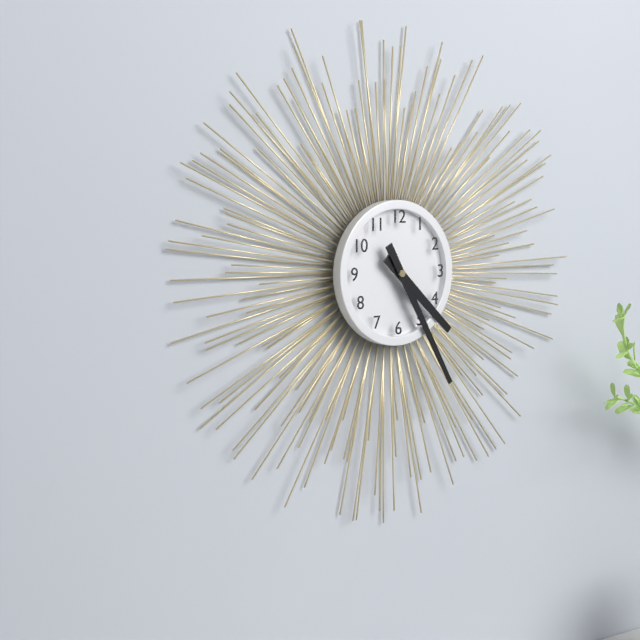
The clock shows 4 h 25 min
